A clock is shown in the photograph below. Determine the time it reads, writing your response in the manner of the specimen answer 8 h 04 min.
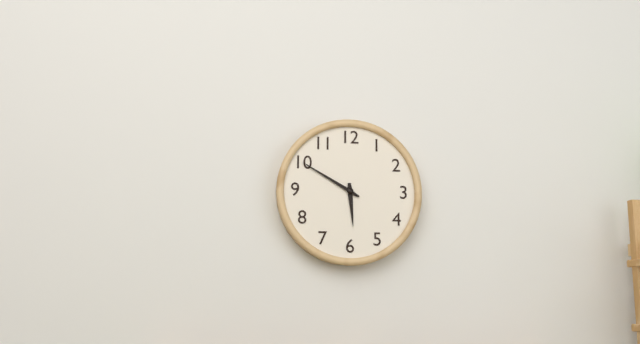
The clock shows 5 h 50 min
